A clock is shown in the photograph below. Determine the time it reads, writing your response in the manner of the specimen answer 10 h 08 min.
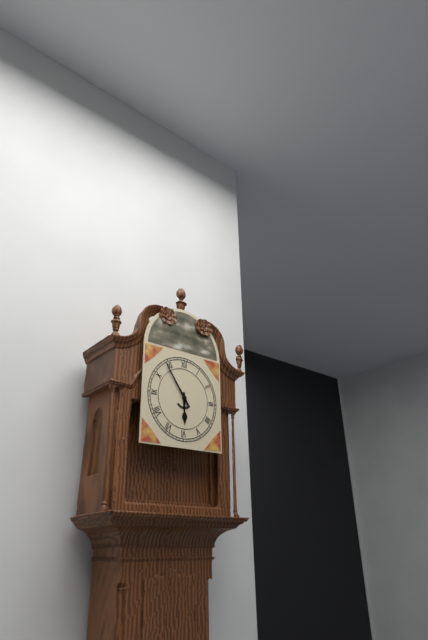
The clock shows 5 h 54 min
